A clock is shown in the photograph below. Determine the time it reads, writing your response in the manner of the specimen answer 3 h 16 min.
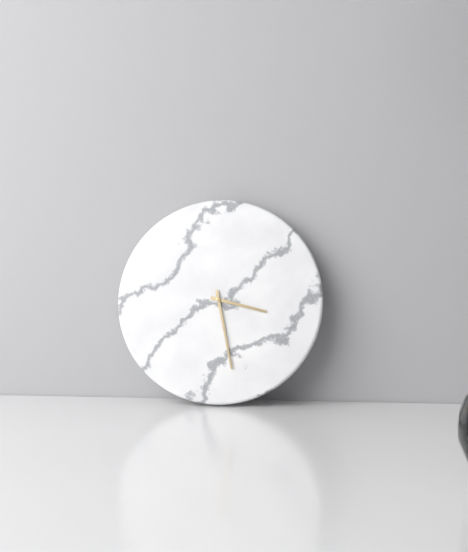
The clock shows 3 h 28 min
